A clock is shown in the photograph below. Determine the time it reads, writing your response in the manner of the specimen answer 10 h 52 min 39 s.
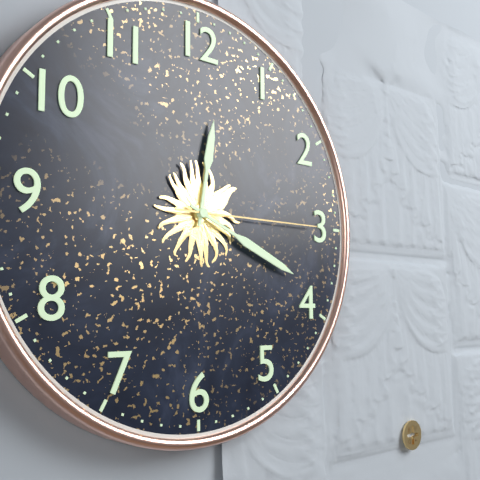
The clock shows 12 h 19 min 15 s
